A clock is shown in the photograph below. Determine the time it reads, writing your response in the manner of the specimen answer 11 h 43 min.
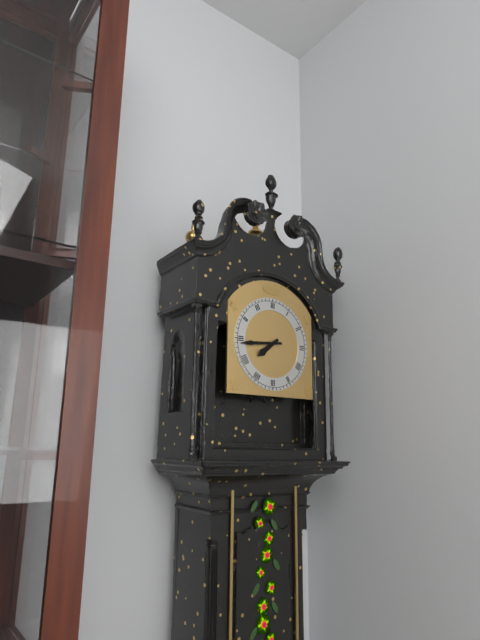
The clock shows 7 h 44 min
